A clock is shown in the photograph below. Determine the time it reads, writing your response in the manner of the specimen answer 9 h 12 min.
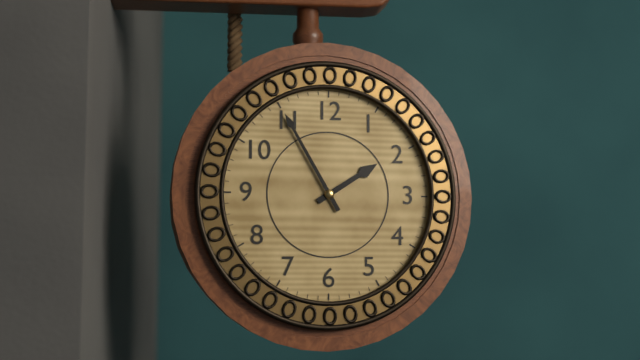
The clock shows 1 h 55 min
